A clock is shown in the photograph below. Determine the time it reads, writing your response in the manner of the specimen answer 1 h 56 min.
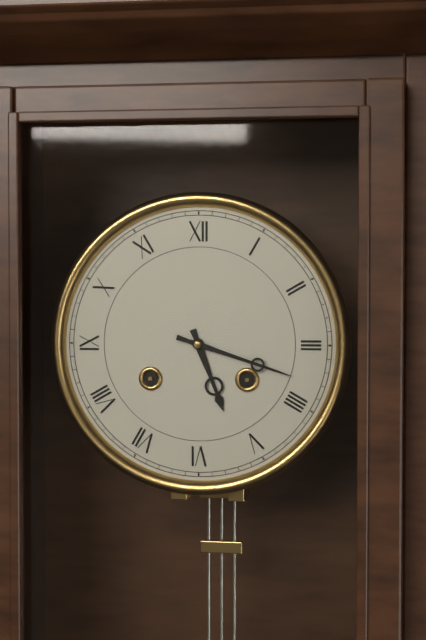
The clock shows 5 h 18 min
